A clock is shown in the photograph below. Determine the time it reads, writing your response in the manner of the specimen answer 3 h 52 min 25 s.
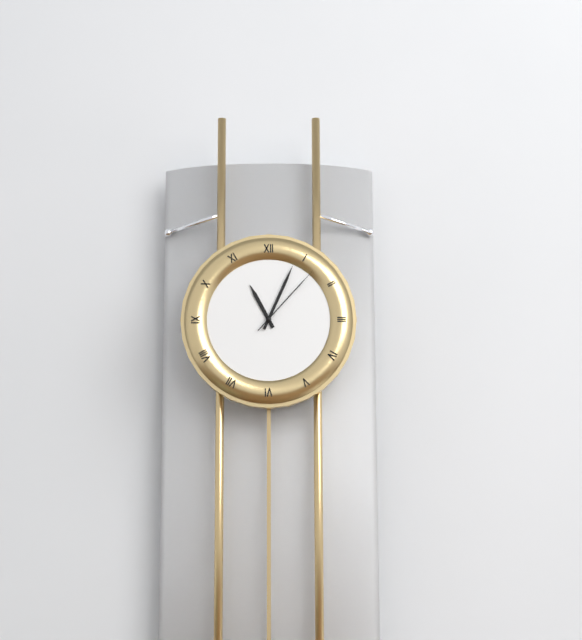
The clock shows 11 h 04 min 07 s
